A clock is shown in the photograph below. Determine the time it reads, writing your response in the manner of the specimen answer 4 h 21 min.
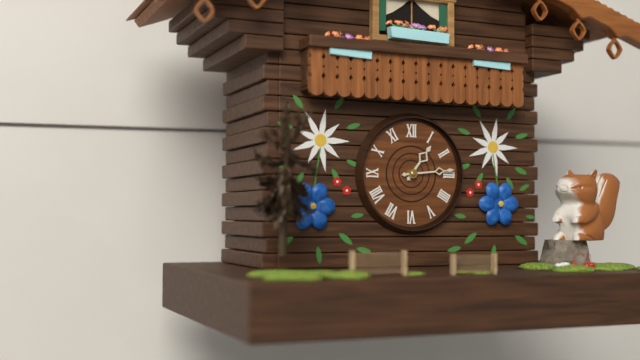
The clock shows 1 h 14 min
